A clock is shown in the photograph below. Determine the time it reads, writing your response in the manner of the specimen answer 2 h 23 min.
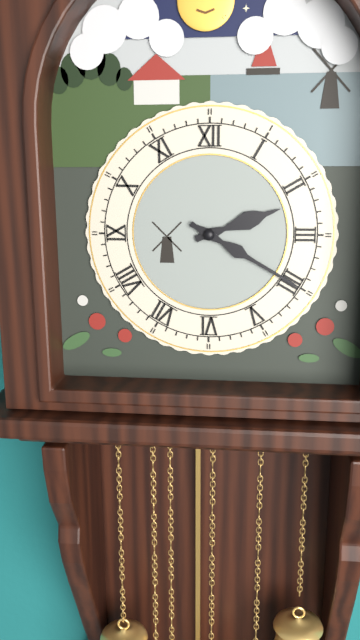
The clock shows 2 h 20 min
